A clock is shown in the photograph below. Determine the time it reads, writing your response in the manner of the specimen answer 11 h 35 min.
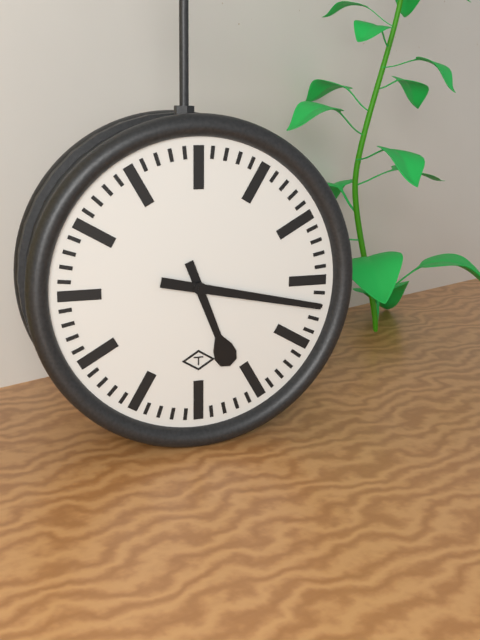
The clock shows 5 h 17 min
